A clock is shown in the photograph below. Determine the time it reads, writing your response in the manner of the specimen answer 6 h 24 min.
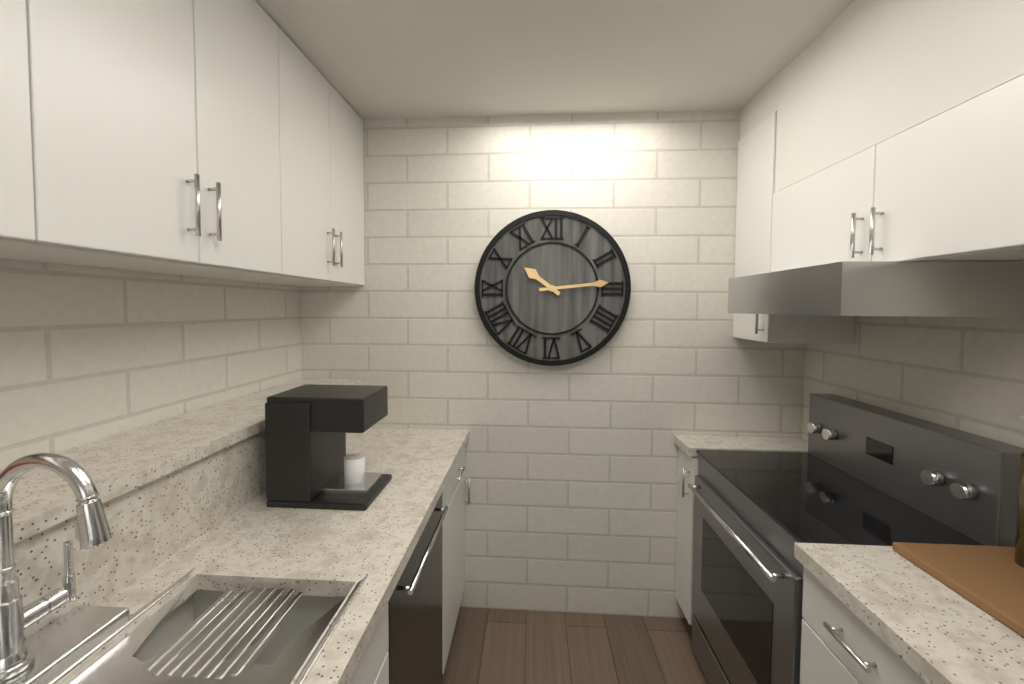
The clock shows 10 h 14 min
